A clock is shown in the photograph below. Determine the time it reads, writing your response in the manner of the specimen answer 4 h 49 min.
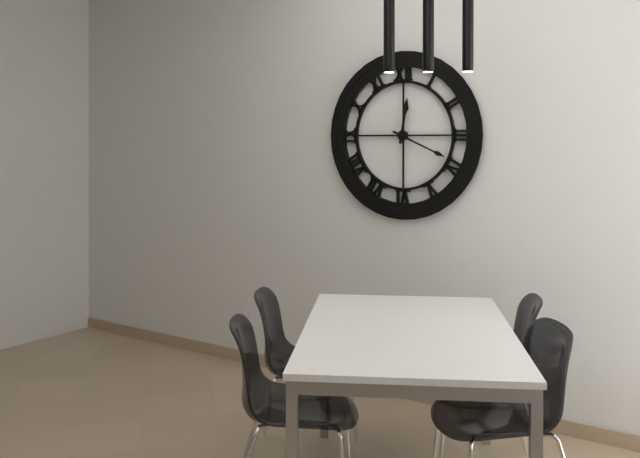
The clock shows 12 h 19 min
